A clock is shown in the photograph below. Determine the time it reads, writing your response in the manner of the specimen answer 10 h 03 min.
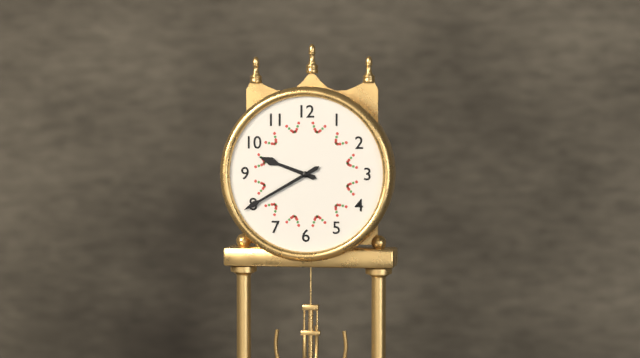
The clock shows 9 h 40 min
